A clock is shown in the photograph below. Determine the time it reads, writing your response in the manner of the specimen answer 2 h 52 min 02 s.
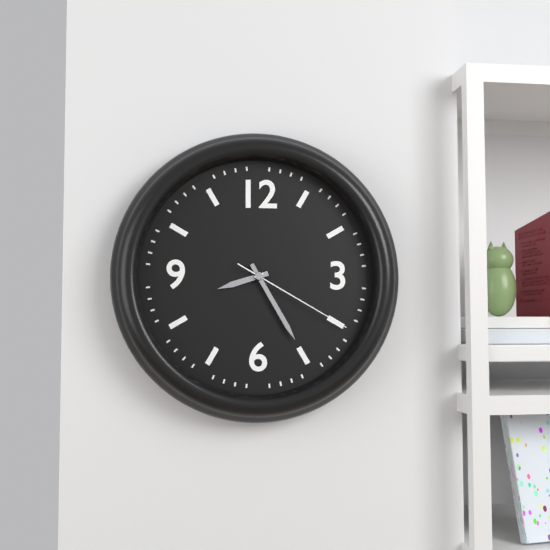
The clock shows 8 h 25 min 20 s
